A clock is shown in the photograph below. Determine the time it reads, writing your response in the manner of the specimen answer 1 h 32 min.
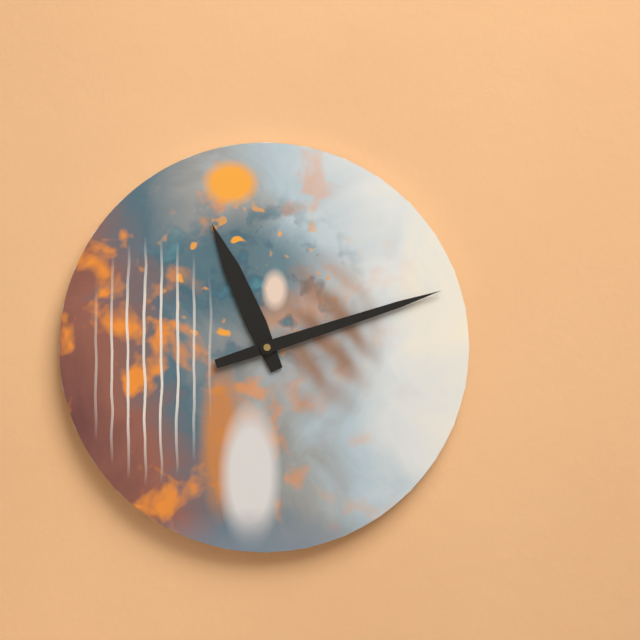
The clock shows 11 h 12 min
